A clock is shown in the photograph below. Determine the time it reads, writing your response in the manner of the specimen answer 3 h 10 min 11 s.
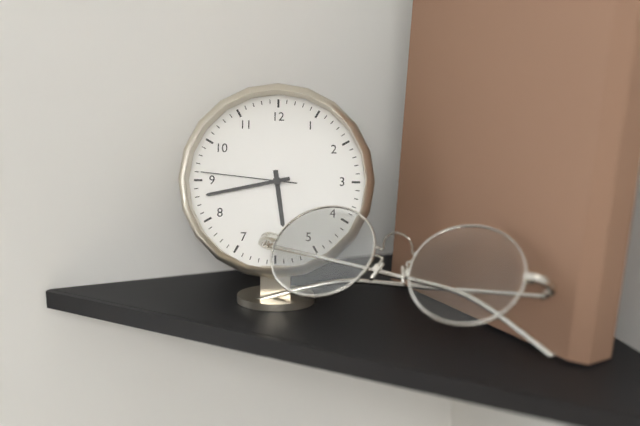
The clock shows 5 h 43 min 46 s
